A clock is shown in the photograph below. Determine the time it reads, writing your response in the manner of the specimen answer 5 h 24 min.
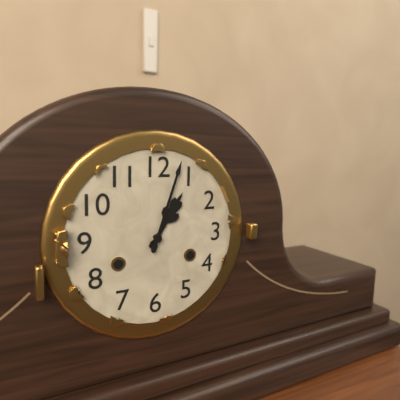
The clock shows 1 h 03 min
